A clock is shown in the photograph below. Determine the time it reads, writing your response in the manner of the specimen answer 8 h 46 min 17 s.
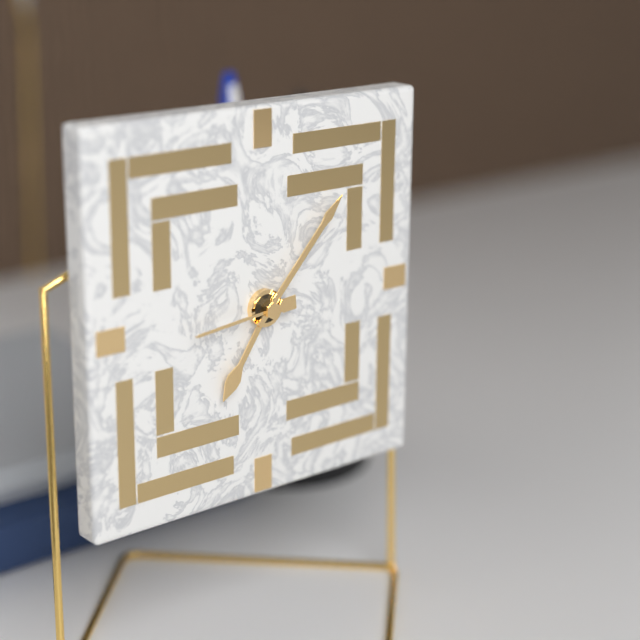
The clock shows 7 h 07 min 44 s
